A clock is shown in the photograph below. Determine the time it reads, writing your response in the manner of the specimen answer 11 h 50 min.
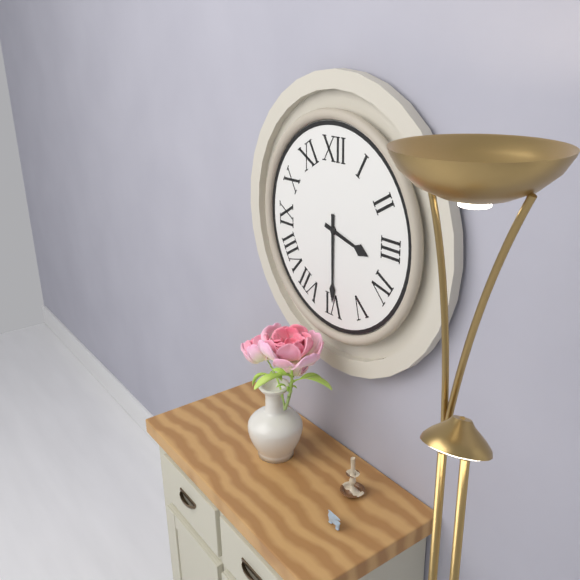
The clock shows 3 h 30 min
